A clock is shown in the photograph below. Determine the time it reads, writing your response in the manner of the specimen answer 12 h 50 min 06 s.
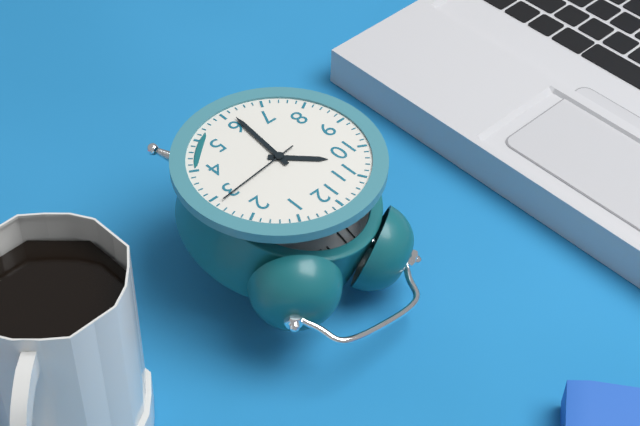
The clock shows 10 h 31 min 14 s
